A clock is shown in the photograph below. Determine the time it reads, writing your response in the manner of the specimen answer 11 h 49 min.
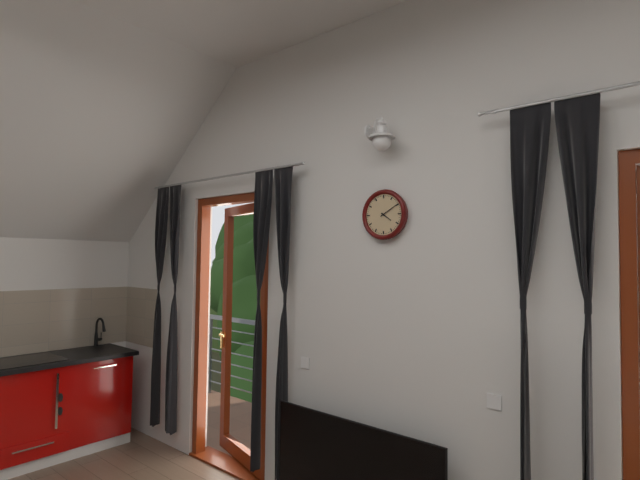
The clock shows 4 h 10 min
